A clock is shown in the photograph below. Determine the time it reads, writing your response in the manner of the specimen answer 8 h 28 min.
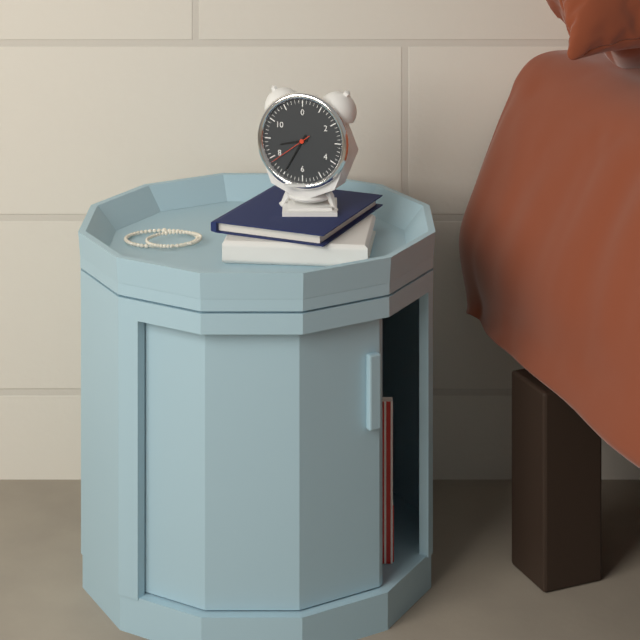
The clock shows 8 h 35 min
